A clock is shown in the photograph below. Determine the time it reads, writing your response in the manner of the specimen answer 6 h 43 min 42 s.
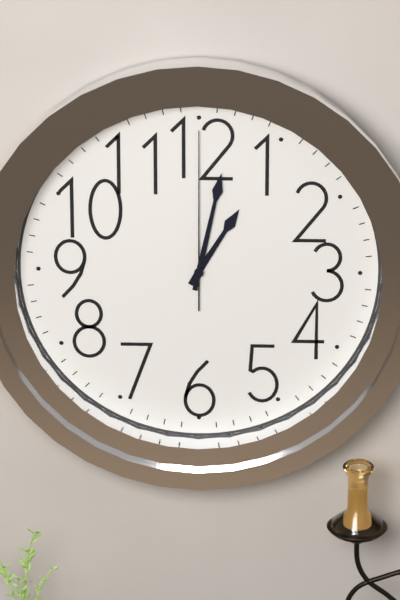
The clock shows 1 h 02 min 00 s
